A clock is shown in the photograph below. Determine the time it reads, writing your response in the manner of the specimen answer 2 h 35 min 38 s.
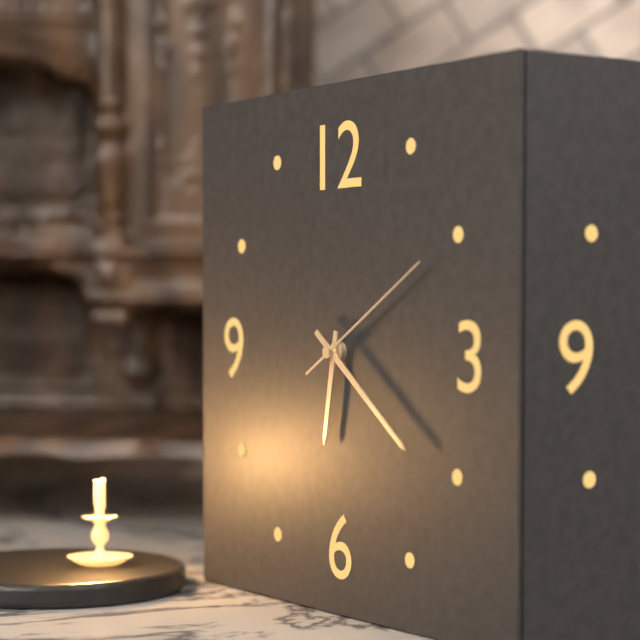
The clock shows 6 h 21 min 10 s
